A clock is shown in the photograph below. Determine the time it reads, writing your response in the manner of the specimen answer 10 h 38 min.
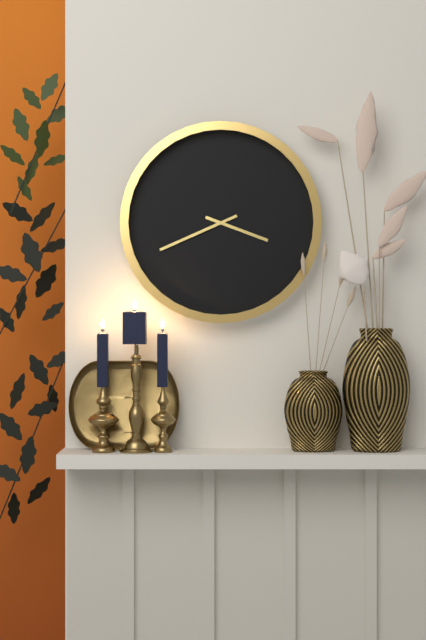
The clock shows 3 h 41 min
